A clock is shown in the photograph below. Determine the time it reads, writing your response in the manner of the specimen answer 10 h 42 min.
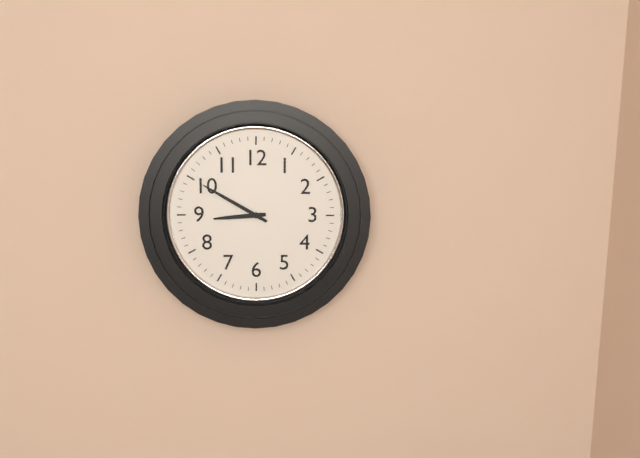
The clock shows 8 h 50 min
